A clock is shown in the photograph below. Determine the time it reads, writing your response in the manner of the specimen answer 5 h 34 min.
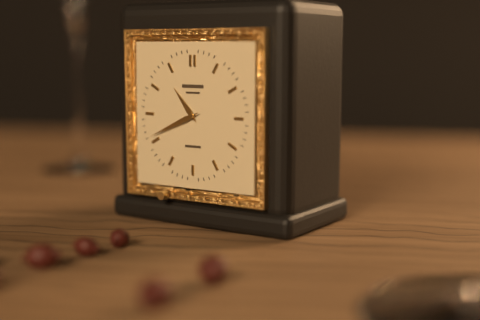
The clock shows 10 h 41 min
